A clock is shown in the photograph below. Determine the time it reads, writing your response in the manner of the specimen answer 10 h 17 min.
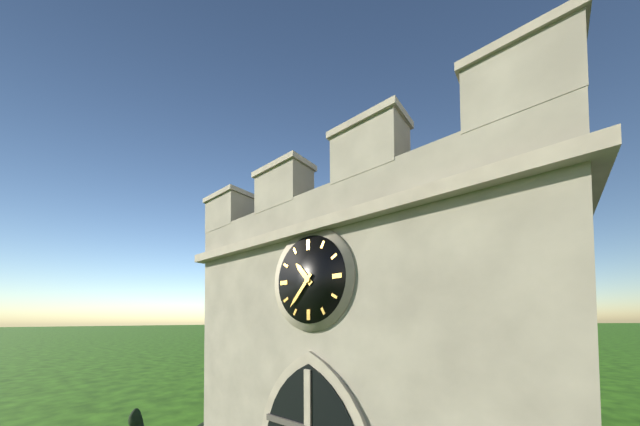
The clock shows 10 h 37 min
